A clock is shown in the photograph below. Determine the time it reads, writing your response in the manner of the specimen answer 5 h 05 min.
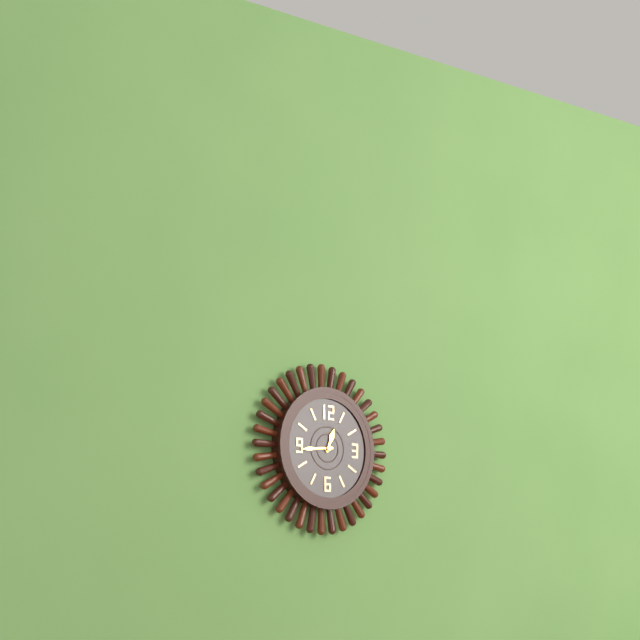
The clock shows 12 h 44 min
